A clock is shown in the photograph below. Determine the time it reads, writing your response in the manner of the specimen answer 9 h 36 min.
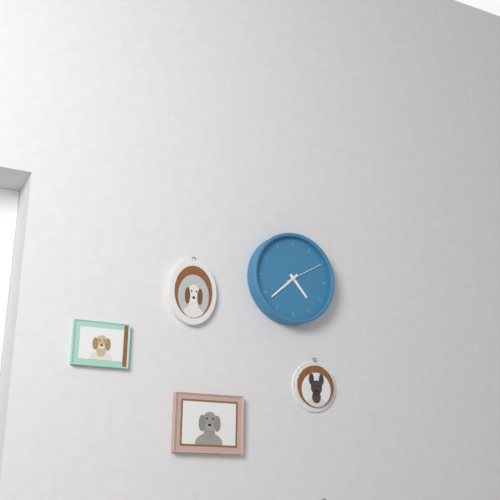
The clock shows 4 h 38 min
